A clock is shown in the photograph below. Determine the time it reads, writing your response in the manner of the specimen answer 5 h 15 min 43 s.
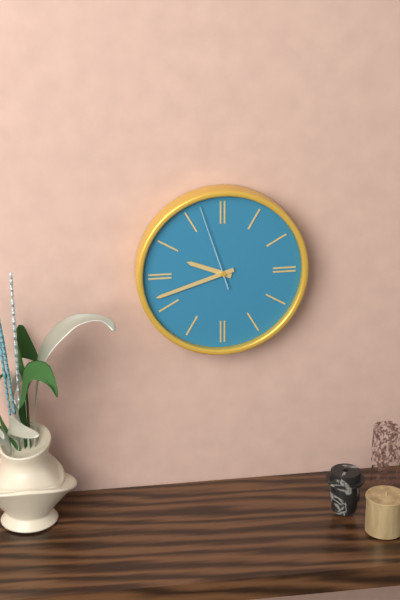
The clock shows 9 h 42 min 57 s
